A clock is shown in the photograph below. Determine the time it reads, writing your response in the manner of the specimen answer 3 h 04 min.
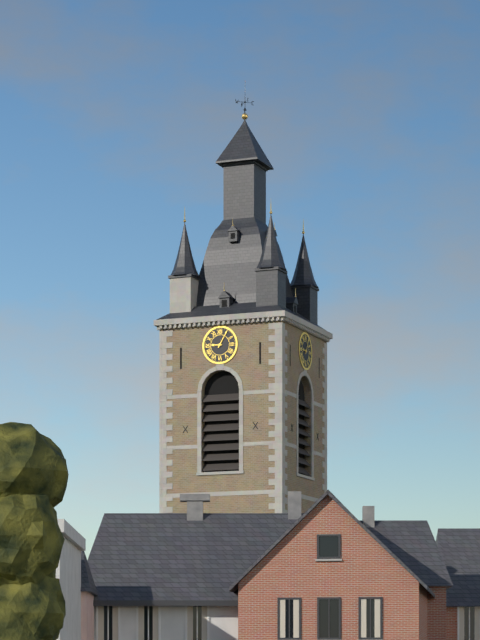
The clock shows 9 h 05 min
